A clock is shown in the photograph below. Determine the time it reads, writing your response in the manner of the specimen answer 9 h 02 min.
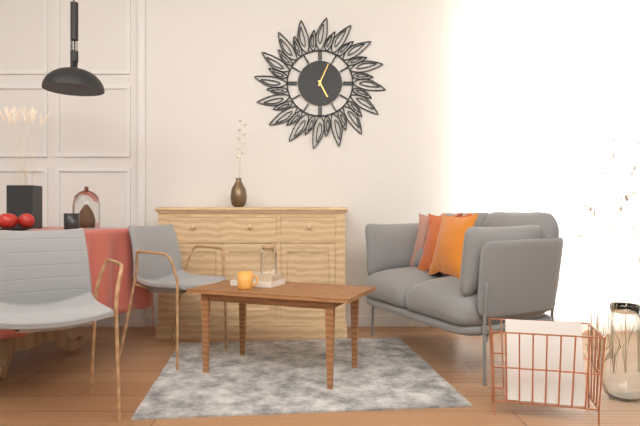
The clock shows 5 h 04 min
